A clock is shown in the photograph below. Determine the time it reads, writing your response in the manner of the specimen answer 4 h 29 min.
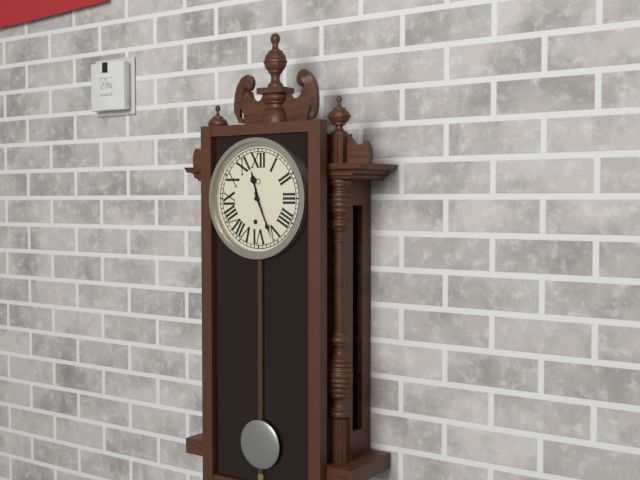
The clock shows 11 h 26 min
